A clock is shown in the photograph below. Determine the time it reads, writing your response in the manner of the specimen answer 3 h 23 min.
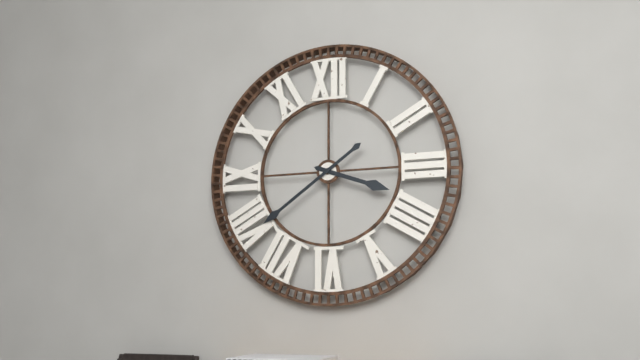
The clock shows 3 h 39 min
